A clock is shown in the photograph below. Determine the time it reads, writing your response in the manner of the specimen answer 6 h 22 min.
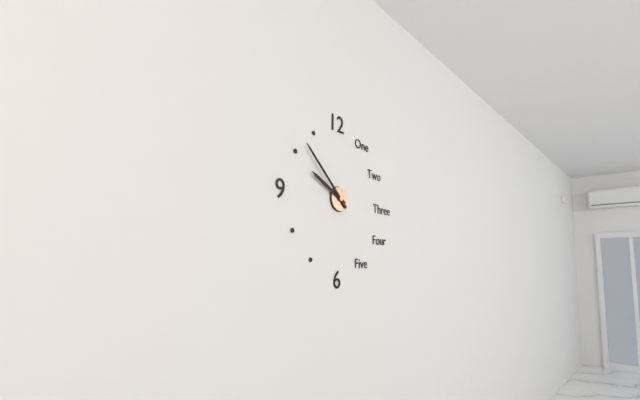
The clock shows 9 h 52 min
